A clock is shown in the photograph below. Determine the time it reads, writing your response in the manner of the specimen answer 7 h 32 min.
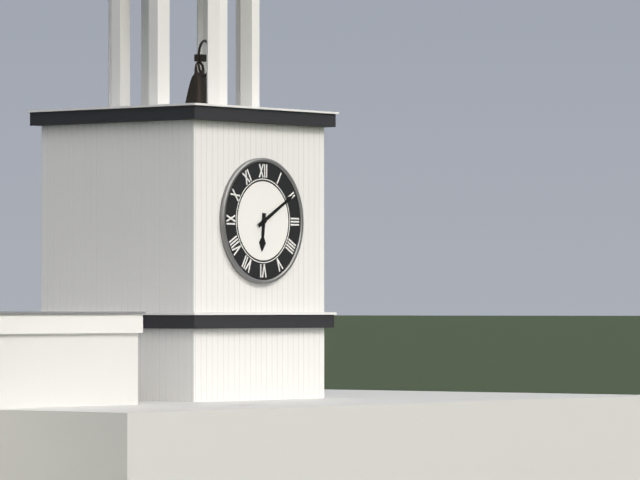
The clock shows 6 h 10 min
